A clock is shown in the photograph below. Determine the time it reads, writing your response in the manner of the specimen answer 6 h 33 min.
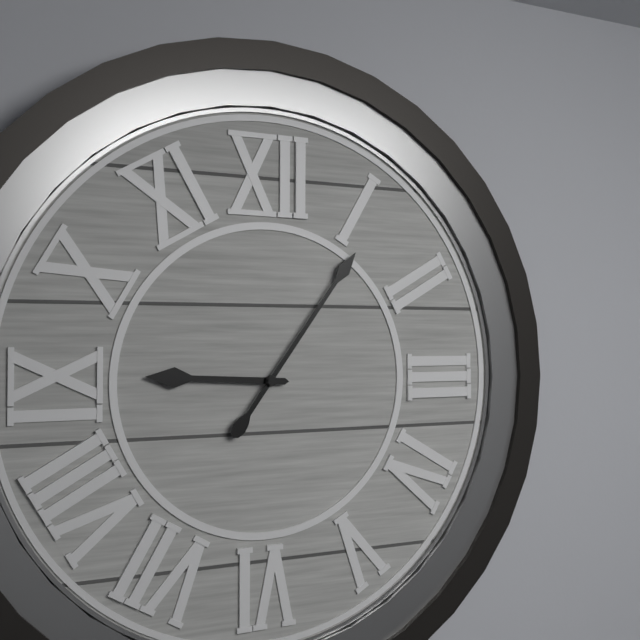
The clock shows 9 h 06 min
